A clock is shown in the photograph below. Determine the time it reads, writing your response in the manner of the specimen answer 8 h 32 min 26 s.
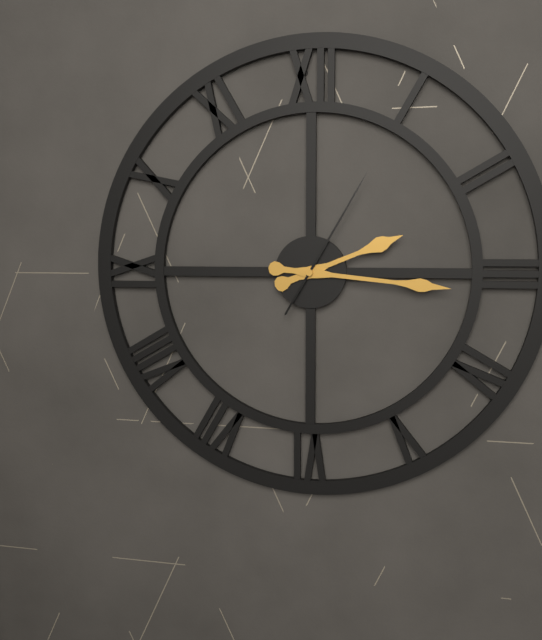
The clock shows 2 h 16 min 05 s
